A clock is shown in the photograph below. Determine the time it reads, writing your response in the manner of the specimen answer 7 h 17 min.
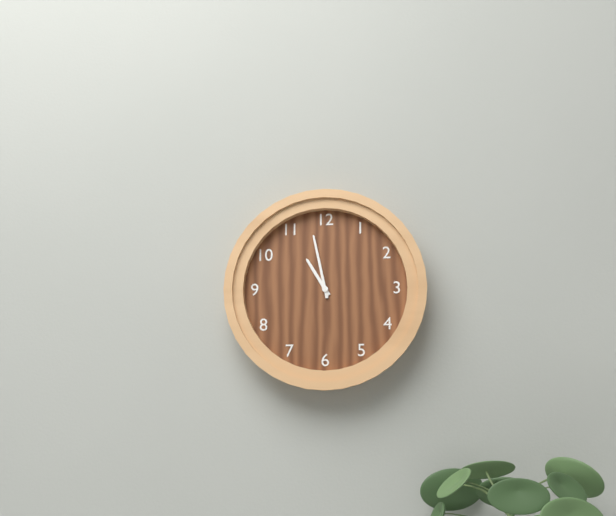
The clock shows 10 h 58 min
